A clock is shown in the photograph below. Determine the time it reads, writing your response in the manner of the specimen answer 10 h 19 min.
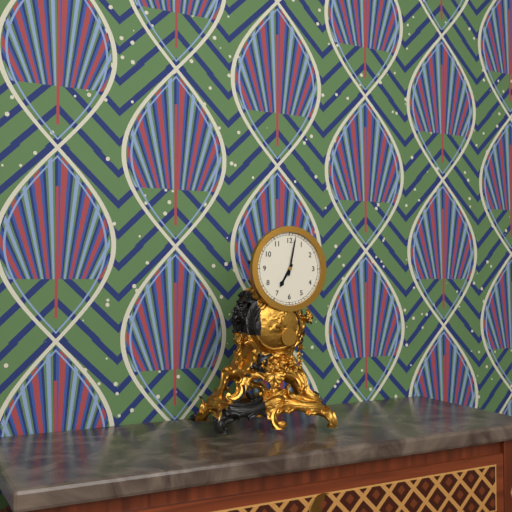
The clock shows 7 h 02 min
